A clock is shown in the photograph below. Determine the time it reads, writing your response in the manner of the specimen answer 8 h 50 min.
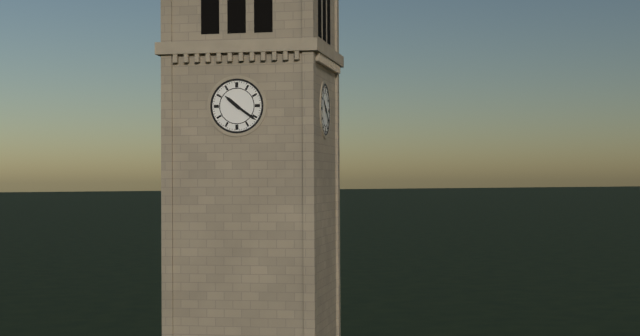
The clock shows 10 h 21 min
